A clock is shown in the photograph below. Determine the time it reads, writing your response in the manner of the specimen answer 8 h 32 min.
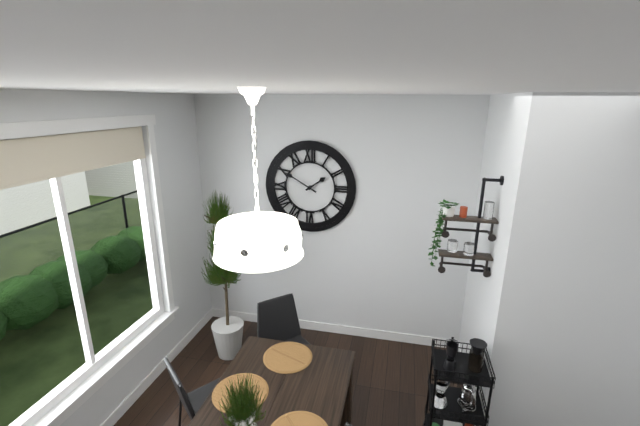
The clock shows 1 h 50 min
